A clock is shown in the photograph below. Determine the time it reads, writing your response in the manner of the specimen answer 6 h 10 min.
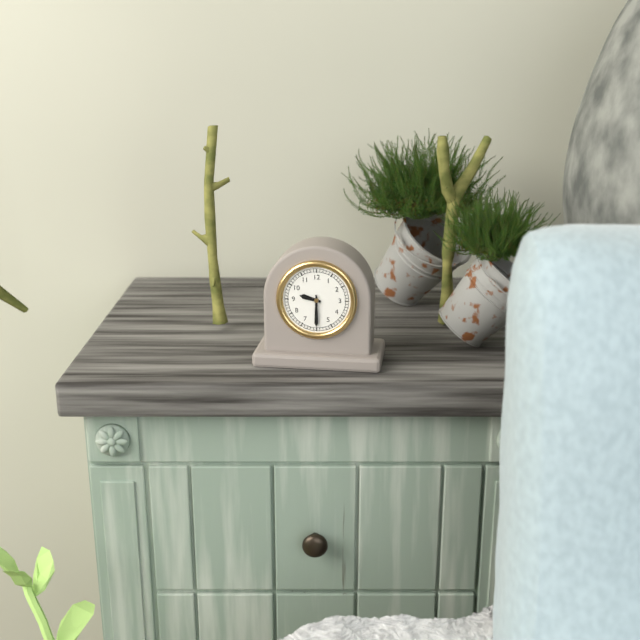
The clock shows 9 h 30 min
